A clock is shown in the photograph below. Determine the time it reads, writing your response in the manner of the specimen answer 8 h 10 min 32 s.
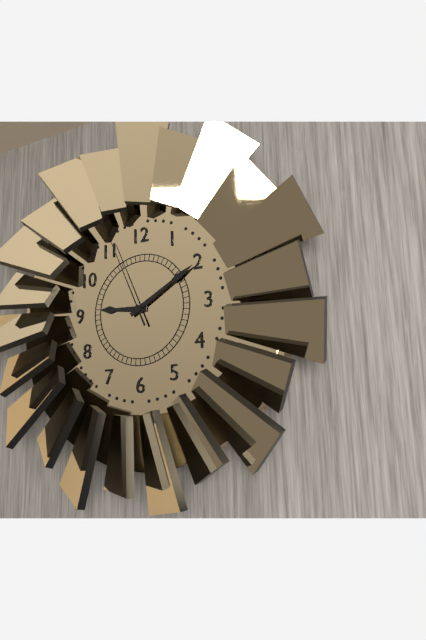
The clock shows 9 h 10 min 56 s
